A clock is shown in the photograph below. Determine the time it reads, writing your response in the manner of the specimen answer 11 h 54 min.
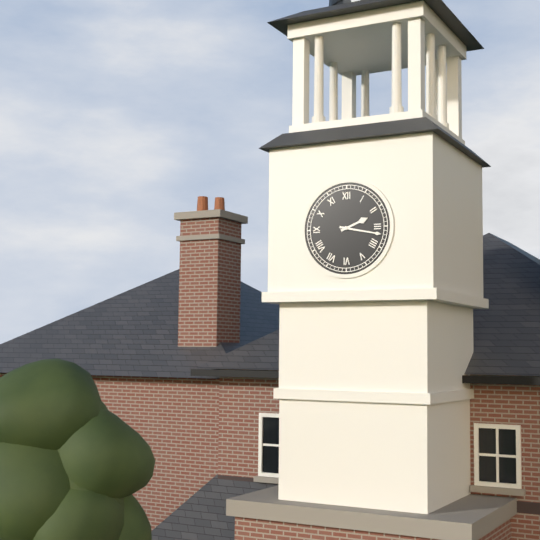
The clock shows 2 h 17 min
